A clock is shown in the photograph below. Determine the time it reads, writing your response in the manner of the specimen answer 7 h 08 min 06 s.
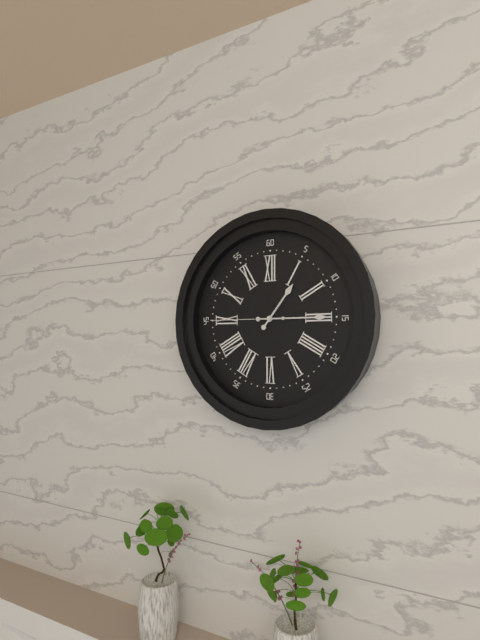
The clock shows 1 h 15 min 45 s
